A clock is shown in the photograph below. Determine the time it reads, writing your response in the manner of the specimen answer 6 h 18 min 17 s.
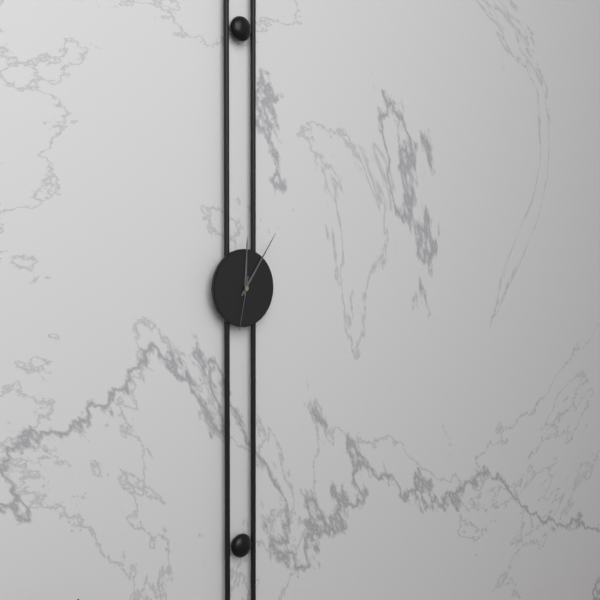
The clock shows 12 h 06 min 32 s
